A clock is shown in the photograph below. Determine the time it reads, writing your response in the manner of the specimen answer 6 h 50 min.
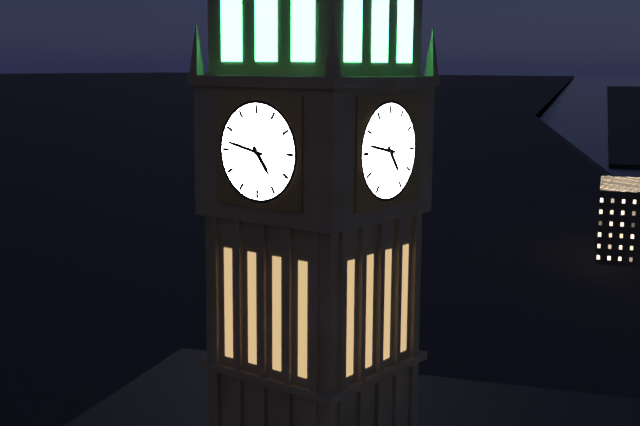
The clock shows 4 h 47 min
